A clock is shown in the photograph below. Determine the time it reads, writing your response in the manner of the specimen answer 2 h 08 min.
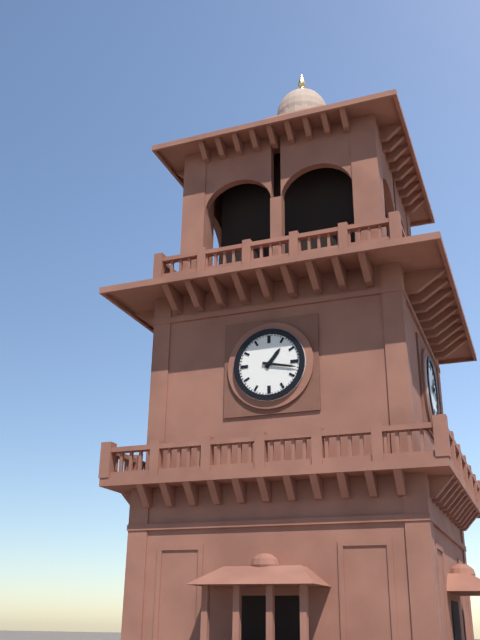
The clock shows 1 h 17 min
